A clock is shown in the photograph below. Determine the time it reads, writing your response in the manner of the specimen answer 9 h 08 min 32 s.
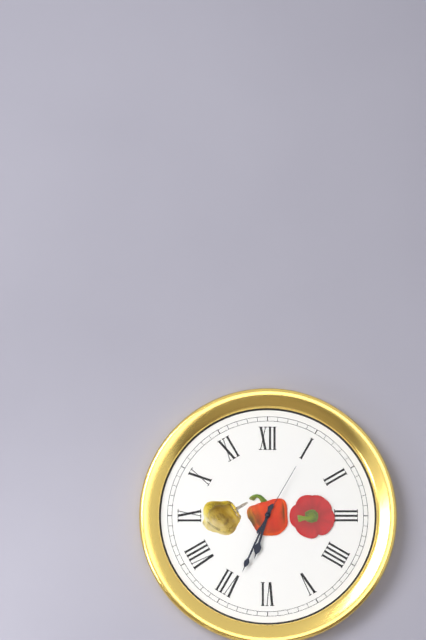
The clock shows 6 h 34 min 05 s
